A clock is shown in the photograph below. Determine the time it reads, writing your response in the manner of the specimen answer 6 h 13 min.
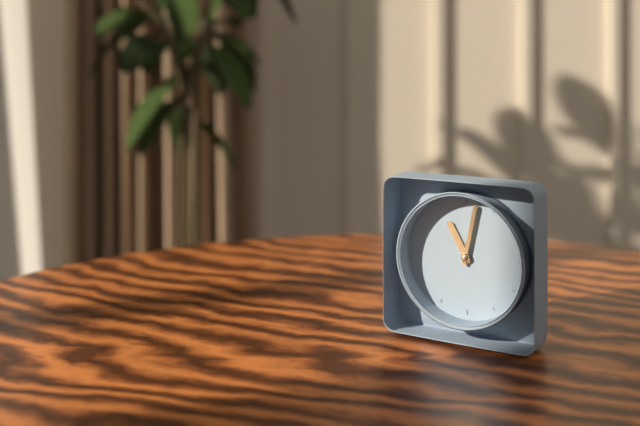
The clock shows 11 h 02 min
